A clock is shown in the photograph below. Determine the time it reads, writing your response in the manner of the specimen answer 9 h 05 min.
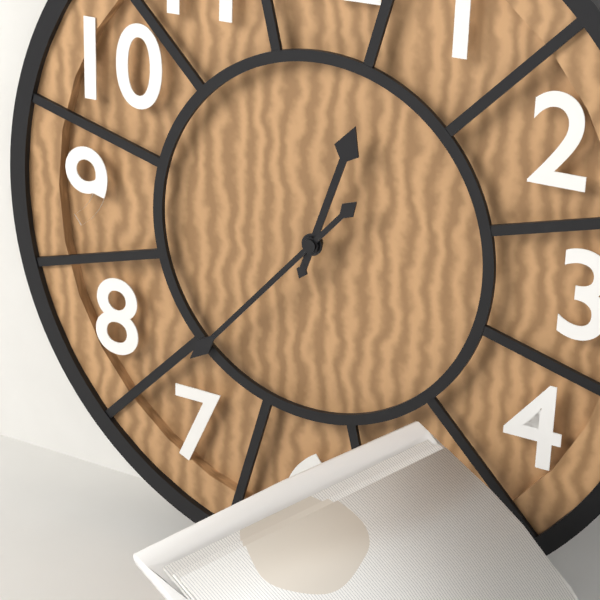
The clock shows 12 h 37 min
